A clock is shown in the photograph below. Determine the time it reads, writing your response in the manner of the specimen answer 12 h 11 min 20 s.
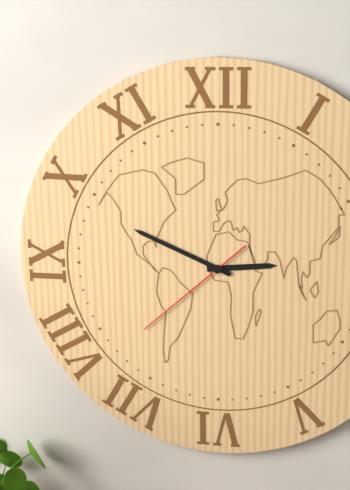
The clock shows 2 h 49 min 38 s
